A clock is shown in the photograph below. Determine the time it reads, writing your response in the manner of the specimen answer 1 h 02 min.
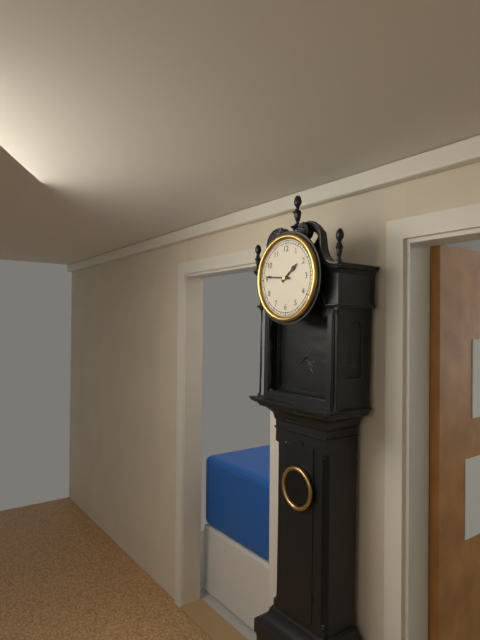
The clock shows 1 h 46 min
